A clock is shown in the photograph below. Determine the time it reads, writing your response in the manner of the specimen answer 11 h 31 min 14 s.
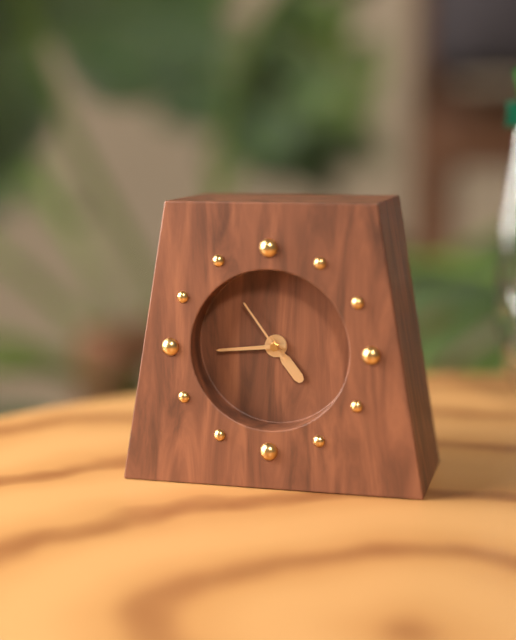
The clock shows 4 h 44 min 54 s
